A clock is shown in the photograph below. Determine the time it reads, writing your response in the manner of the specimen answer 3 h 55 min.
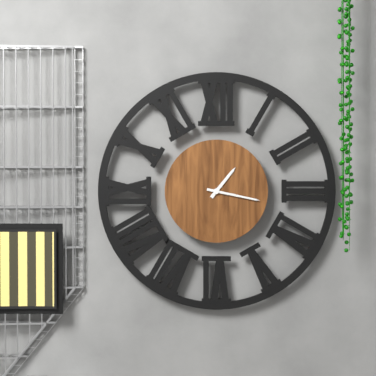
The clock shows 1 h 17 min
